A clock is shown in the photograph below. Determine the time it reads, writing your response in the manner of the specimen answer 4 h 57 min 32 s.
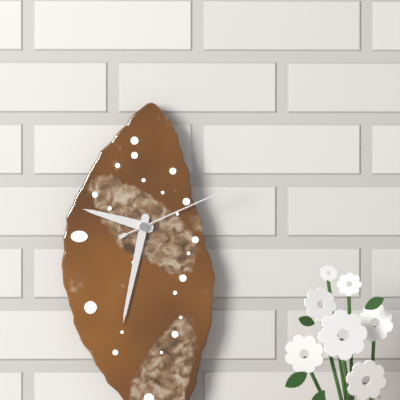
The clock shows 9 h 32 min 11 s
